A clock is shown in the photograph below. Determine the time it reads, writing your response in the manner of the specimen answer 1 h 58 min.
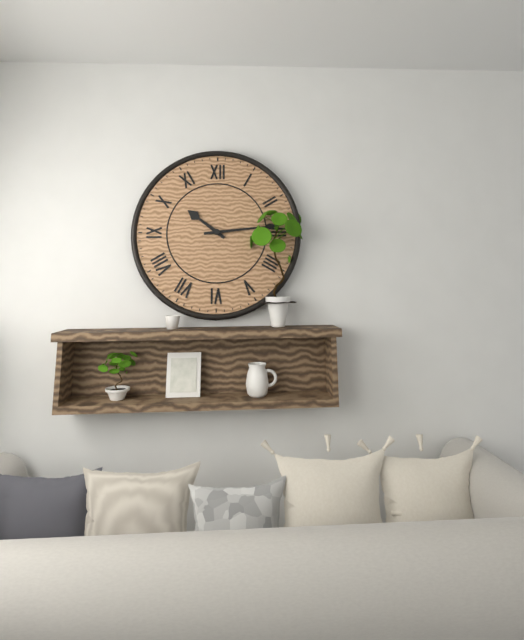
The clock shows 10 h 14 min
